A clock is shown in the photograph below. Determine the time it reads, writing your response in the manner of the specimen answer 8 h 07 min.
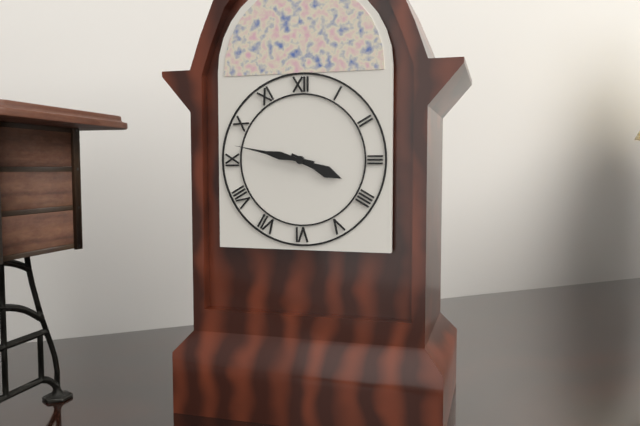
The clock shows 3 h 47 min
